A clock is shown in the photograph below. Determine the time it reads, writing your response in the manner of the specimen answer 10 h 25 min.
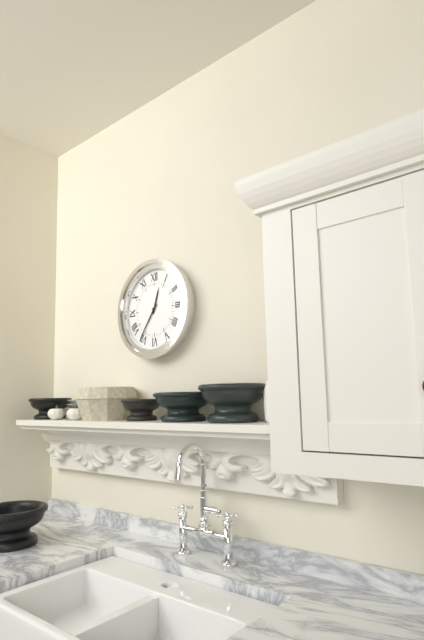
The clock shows 12 h 36 min
